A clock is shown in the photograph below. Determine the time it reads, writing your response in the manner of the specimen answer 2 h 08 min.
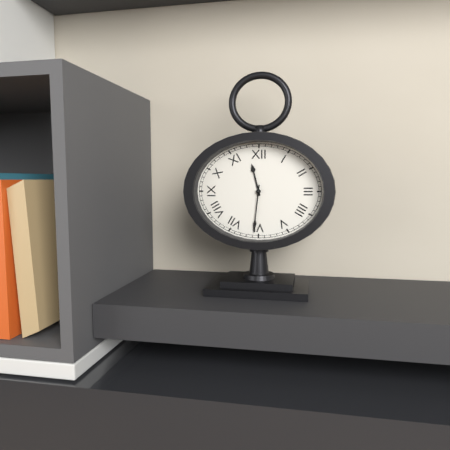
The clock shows 11 h 31 min
